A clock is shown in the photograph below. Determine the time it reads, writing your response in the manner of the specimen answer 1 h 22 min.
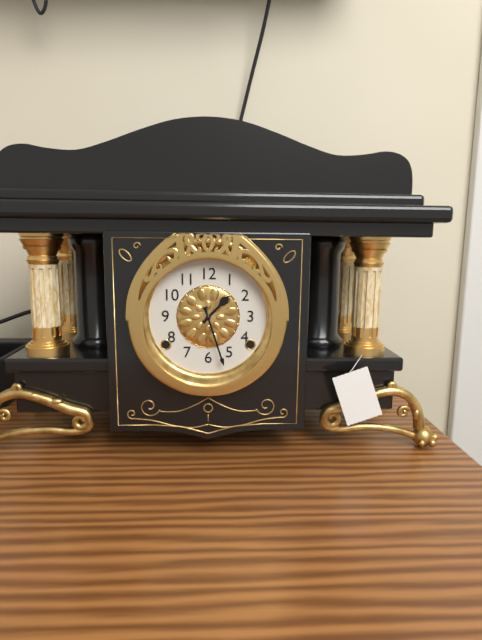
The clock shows 1 h 27 min
